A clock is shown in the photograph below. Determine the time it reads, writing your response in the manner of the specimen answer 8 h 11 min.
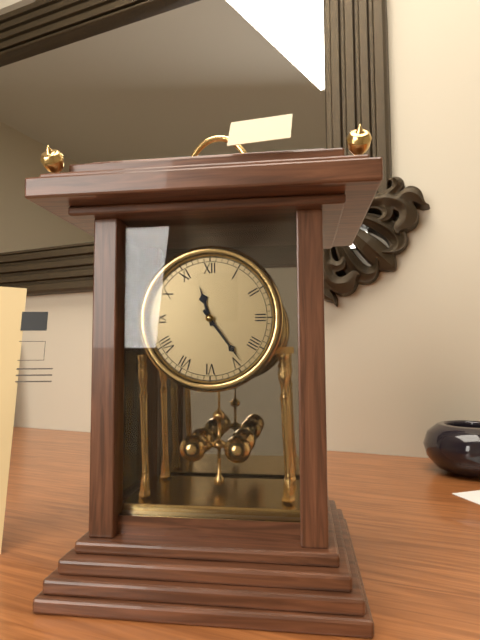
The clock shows 11 h 24 min
